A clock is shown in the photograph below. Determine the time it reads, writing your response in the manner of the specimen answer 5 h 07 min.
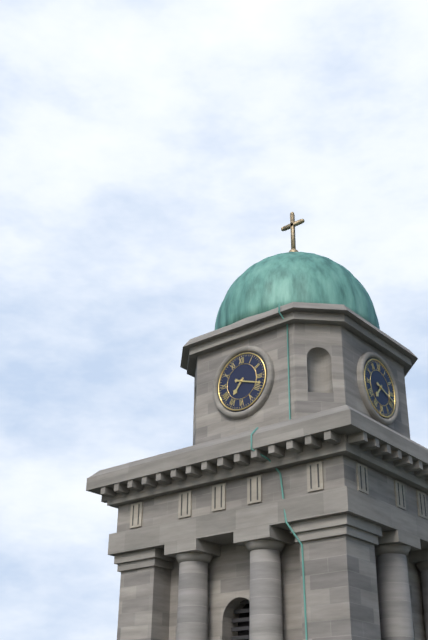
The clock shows 7 h 18 min
